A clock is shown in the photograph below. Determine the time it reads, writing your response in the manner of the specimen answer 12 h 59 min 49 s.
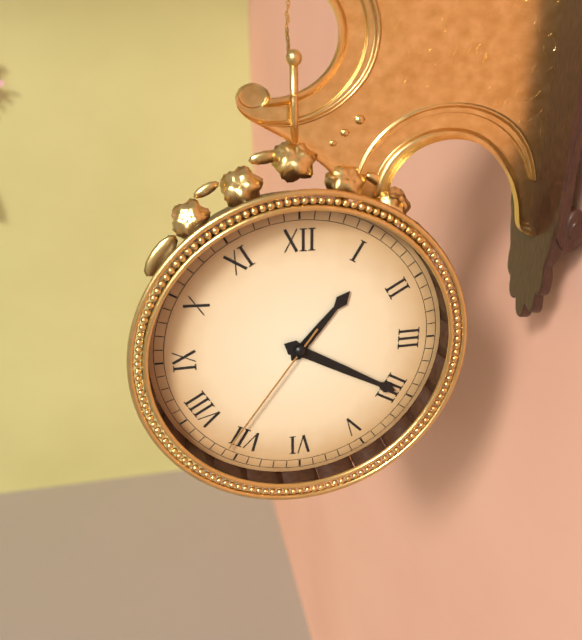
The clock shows 1 h 20 min 36 s
